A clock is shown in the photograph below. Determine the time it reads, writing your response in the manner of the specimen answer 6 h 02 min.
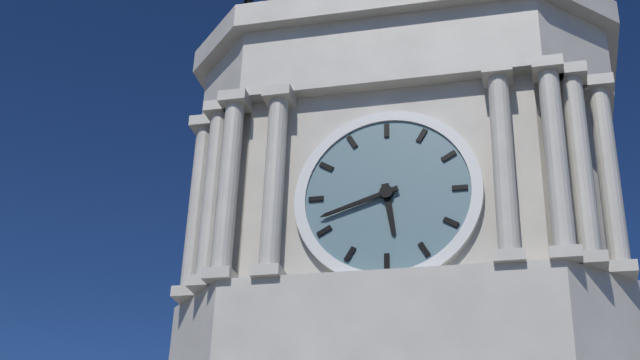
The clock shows 5 h 42 min
